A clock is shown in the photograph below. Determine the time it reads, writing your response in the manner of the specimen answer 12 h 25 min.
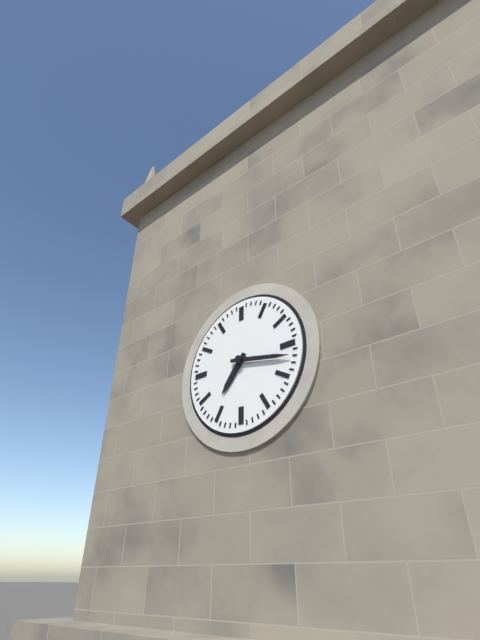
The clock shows 7 h 17 min
